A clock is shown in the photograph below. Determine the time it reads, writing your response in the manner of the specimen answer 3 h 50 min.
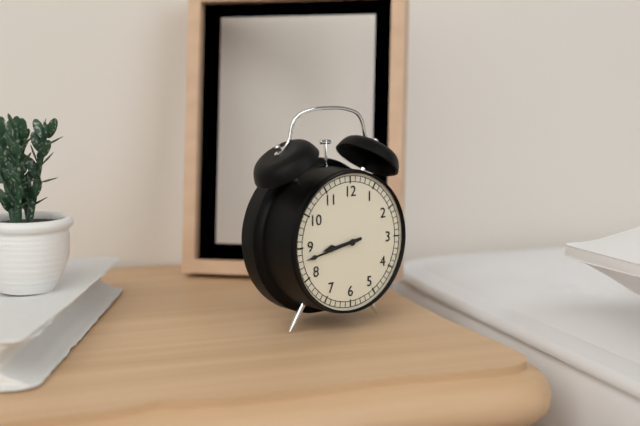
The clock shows 8 h 43 min
